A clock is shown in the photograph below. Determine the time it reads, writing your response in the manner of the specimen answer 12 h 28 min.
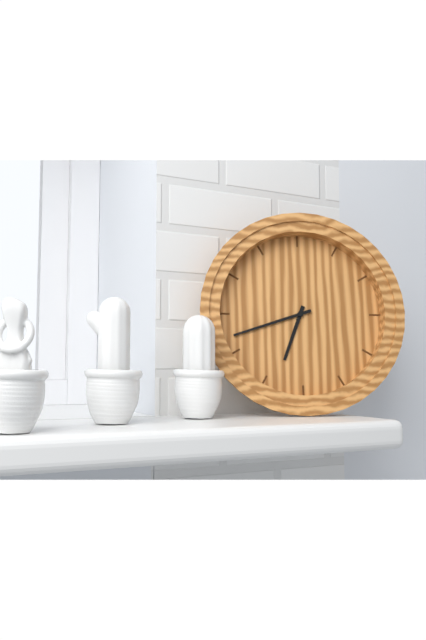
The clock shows 6 h 42 min
